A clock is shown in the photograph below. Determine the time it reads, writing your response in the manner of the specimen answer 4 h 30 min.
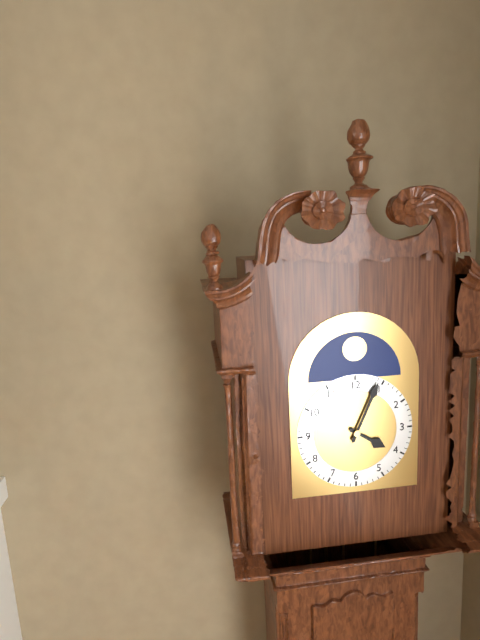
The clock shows 4 h 04 min
